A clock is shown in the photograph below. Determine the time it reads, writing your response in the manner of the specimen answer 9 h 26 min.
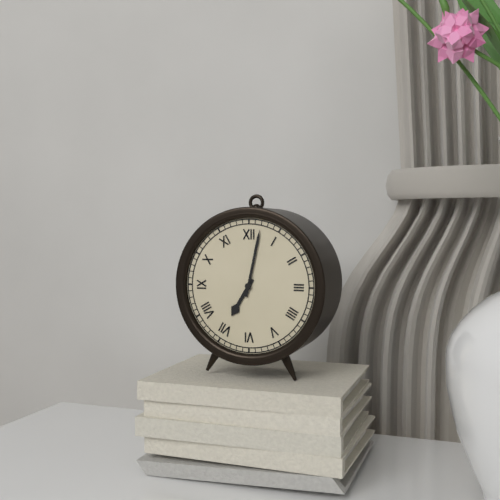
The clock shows 7 h 02 min
